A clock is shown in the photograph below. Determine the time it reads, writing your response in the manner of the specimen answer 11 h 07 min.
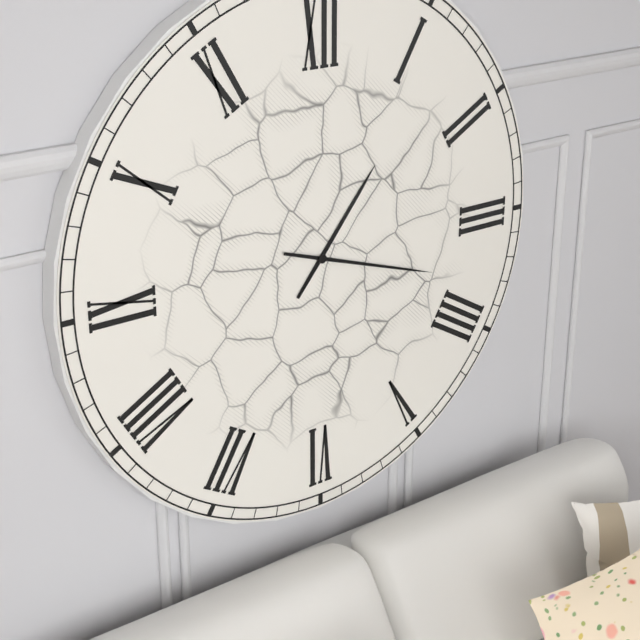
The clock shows 1 h 18 min
